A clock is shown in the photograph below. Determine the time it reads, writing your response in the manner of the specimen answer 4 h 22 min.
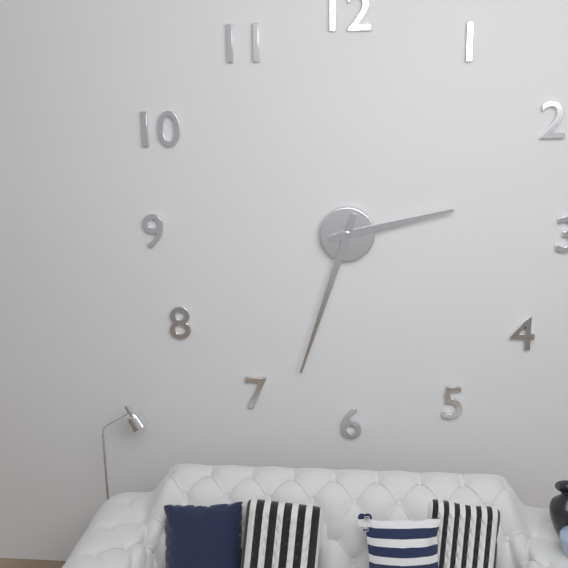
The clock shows 2 h 33 min
